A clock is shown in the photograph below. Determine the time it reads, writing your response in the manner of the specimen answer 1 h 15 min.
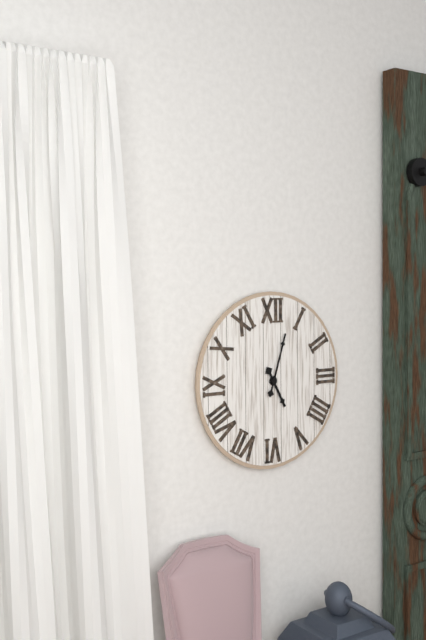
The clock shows 5 h 03 min
